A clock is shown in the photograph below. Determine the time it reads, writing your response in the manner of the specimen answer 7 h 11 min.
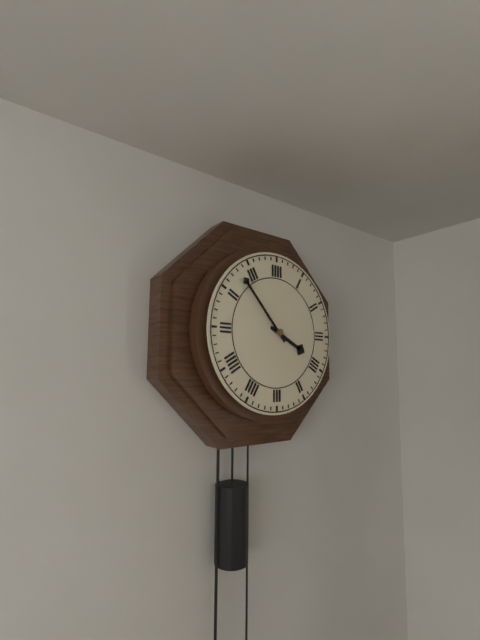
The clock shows 3 h 53 min
